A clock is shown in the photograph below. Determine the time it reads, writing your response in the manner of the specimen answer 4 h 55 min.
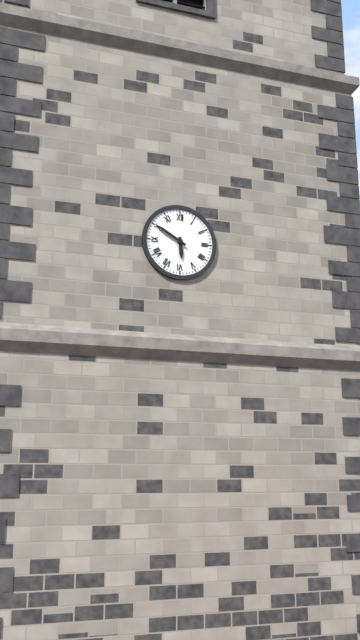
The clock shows 5 h 50 min
